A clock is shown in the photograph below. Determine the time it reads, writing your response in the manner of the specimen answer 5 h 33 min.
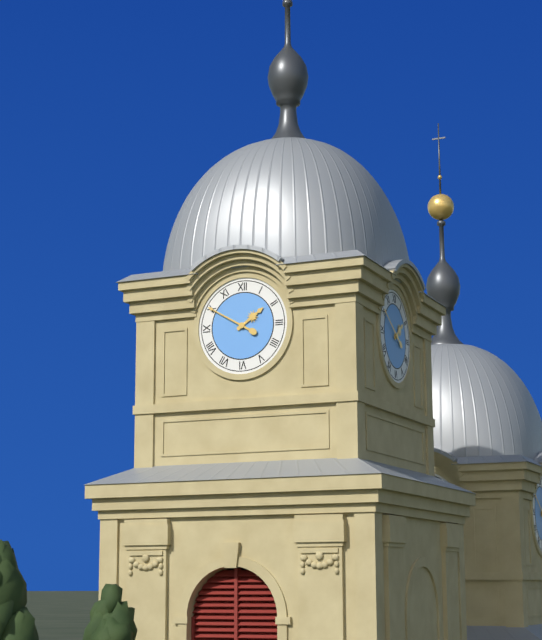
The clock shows 1 h 50 min
